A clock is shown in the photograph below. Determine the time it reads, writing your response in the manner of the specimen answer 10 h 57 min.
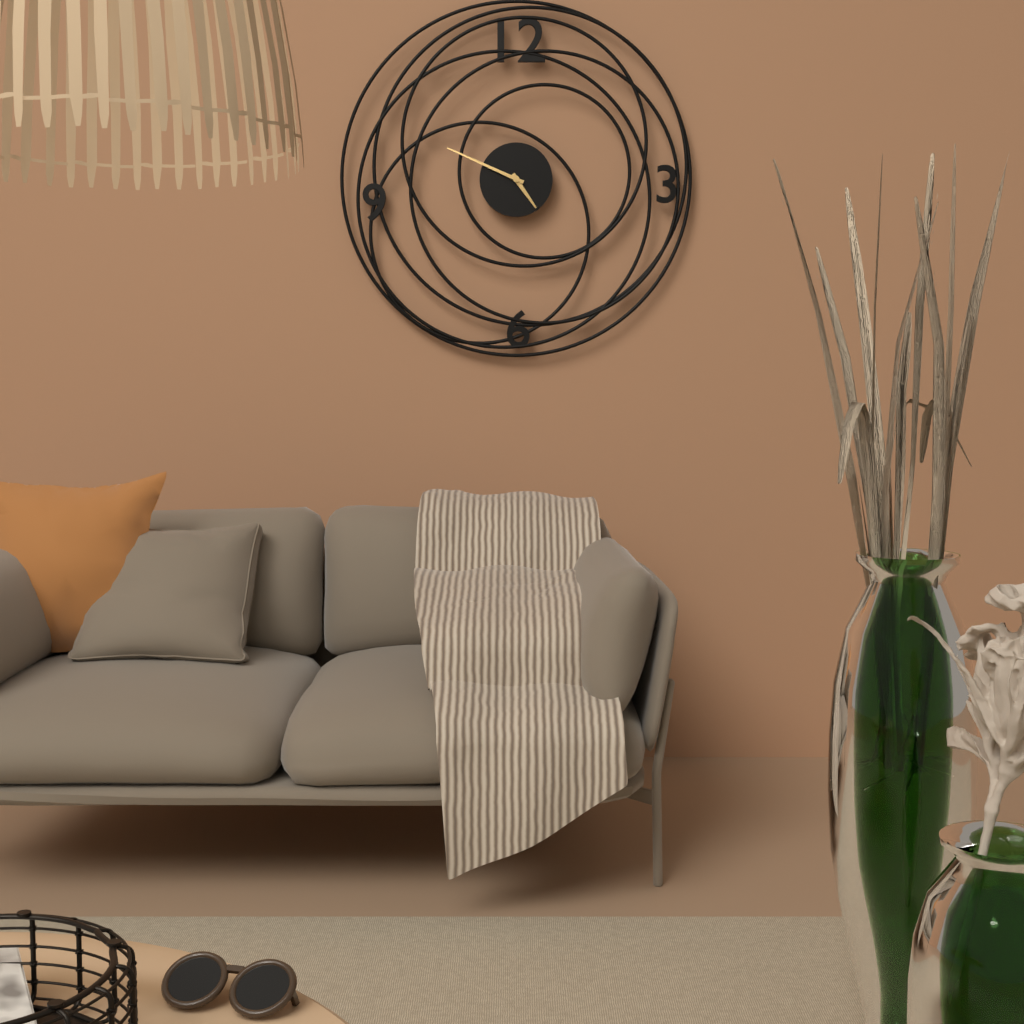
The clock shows 4 h 49 min
